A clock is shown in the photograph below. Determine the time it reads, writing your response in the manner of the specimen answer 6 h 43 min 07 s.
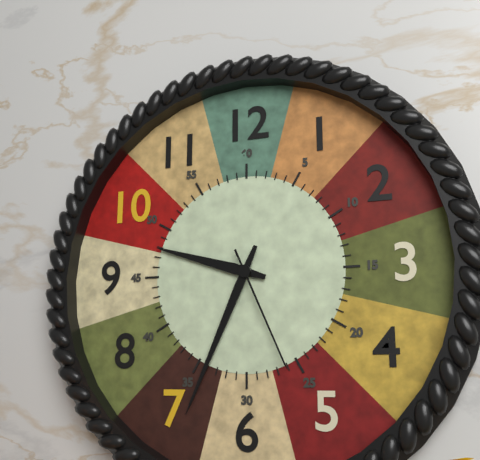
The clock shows 9 h 34 min 26 s
